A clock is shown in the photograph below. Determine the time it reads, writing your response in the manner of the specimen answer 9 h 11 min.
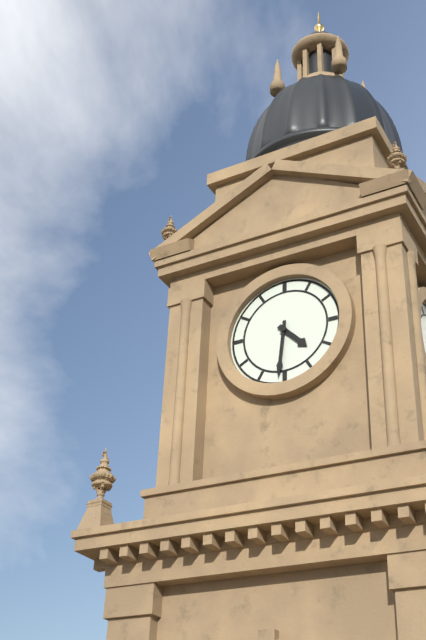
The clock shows 4 h 31 min
